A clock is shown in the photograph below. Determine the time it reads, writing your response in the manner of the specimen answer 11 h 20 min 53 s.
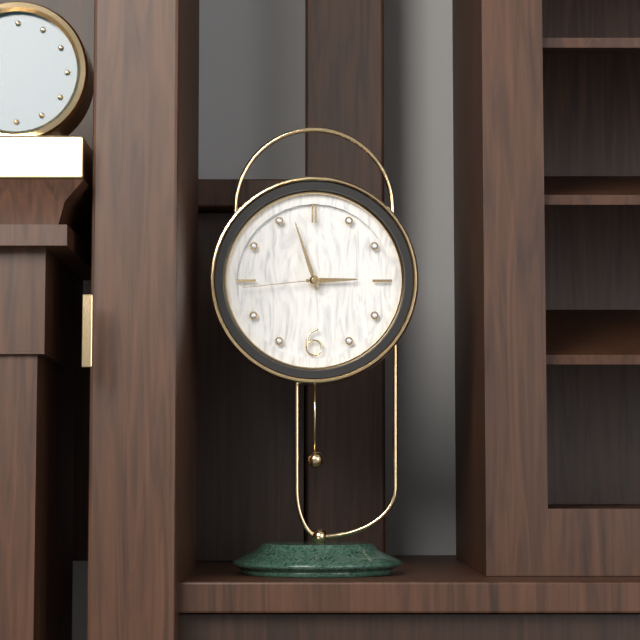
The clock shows 2 h 57 min 44 s
